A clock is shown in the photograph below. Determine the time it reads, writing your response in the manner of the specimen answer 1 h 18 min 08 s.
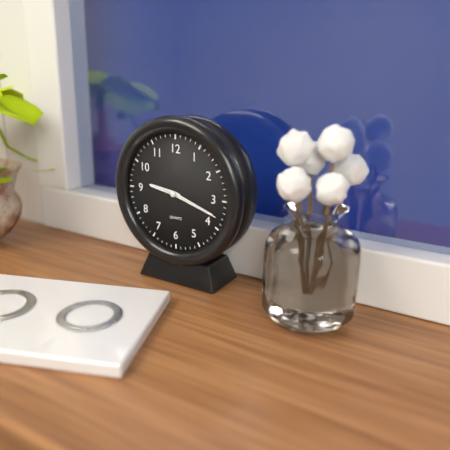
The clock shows 9 h 18 min 18 s
